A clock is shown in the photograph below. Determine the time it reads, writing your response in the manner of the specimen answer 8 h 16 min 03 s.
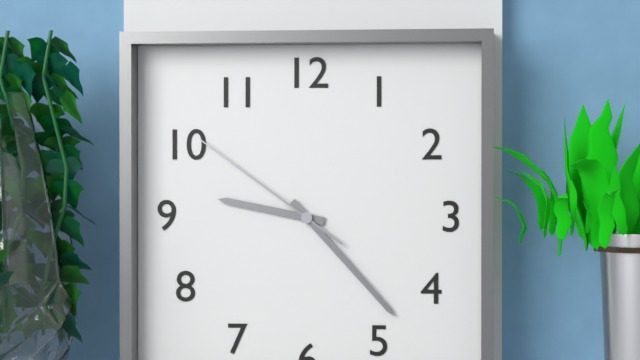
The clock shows 9 h 23 min 51 s
